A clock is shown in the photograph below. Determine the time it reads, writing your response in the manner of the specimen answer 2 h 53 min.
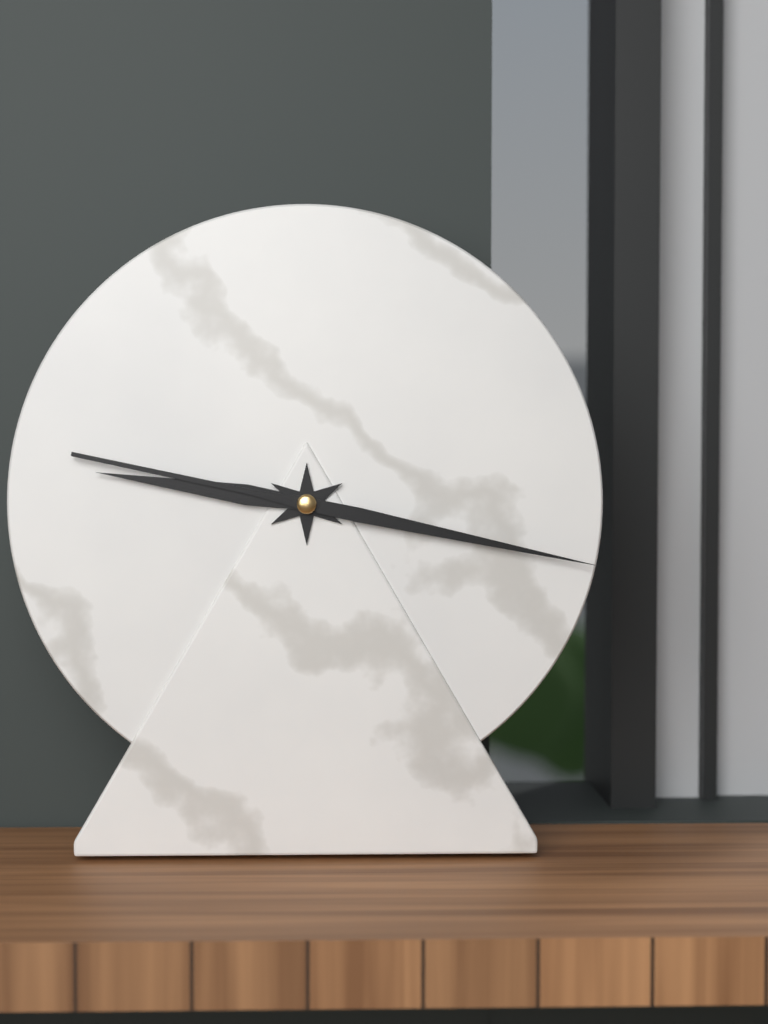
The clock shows 9 h 17 min
